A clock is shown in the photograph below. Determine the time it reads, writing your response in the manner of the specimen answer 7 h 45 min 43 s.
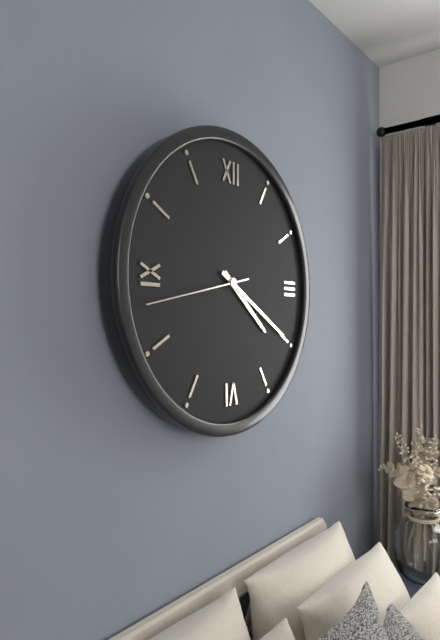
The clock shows 4 h 20 min 43 s
